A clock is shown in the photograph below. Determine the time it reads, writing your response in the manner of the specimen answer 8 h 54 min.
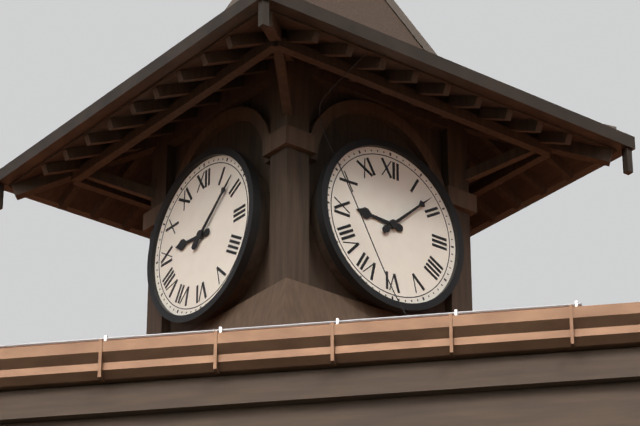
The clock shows 9 h 08 min
